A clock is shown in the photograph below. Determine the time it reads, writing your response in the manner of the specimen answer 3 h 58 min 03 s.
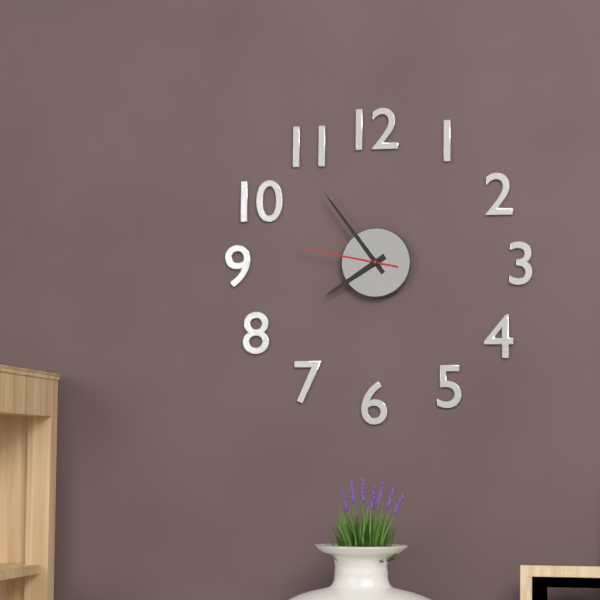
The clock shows 7 h 54 min 47 s
